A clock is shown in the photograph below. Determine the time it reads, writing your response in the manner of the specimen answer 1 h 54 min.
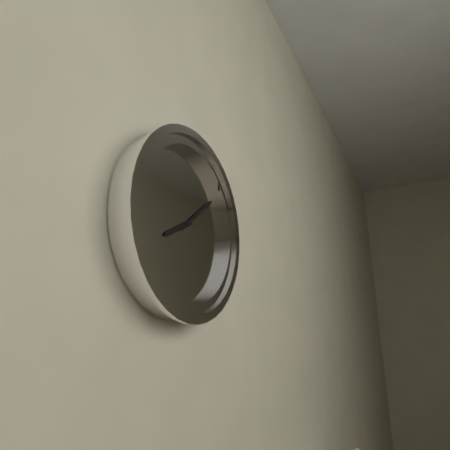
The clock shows 8 h 09 min
